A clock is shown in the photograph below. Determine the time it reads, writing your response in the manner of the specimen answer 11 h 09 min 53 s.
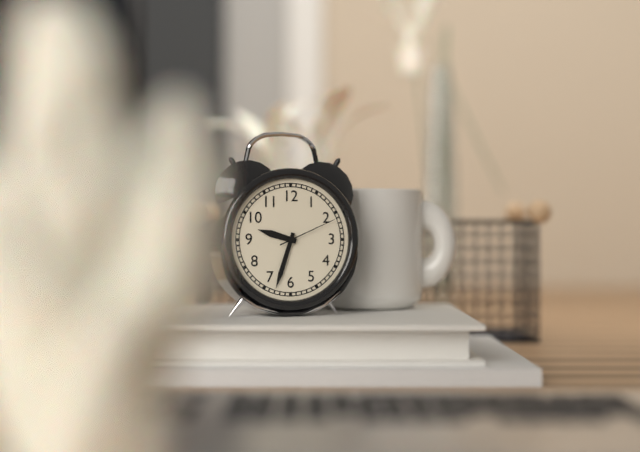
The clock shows 9 h 33 min 11 s
